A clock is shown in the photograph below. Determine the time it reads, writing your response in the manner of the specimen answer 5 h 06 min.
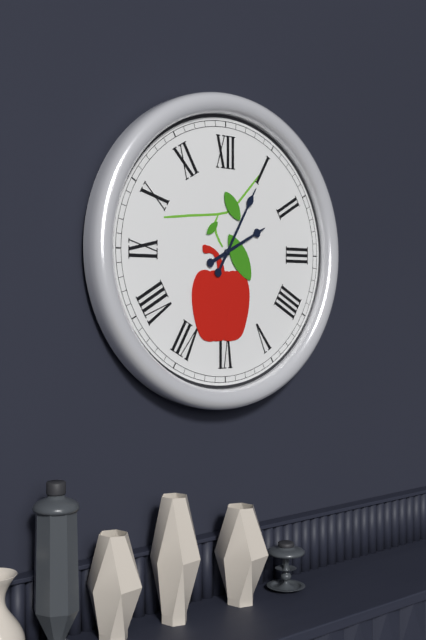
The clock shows 2 h 05 min
